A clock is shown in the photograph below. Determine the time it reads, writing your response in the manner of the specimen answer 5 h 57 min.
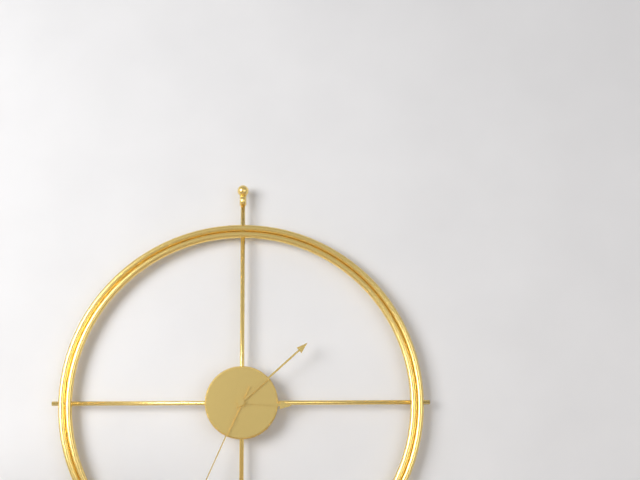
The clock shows 3 h 08 min
